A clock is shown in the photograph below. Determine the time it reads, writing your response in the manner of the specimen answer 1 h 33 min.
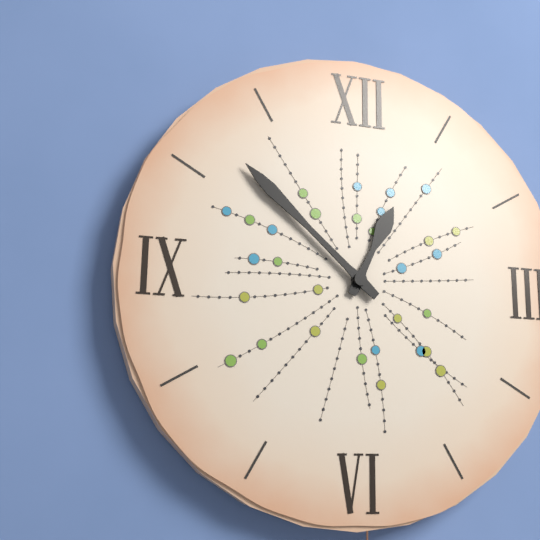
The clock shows 12 h 52 min
